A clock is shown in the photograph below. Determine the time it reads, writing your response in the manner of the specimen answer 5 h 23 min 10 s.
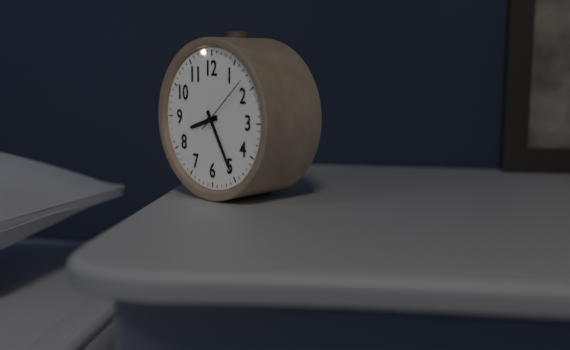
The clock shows 8 h 25 min 08 s
